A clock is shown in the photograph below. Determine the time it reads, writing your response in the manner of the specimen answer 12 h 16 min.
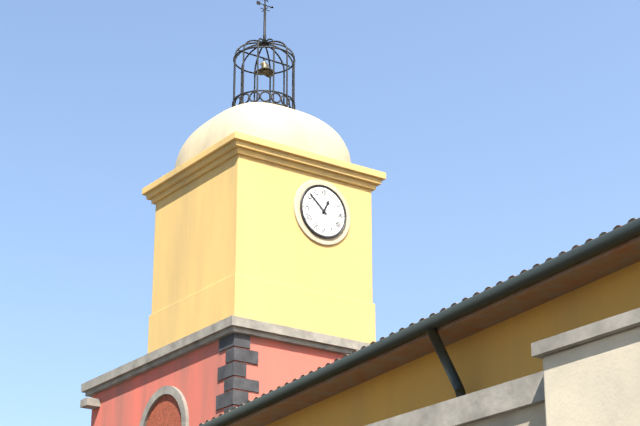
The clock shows 12 h 52 min
